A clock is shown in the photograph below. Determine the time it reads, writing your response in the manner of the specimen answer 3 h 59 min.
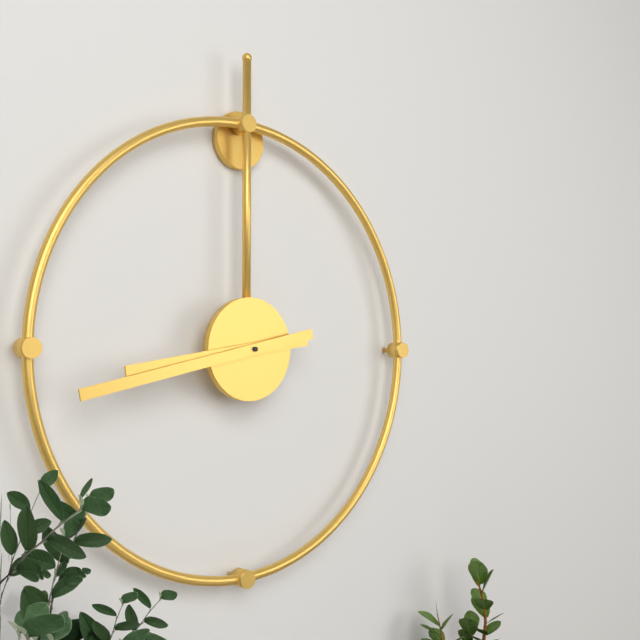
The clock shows 8 h 43 min
